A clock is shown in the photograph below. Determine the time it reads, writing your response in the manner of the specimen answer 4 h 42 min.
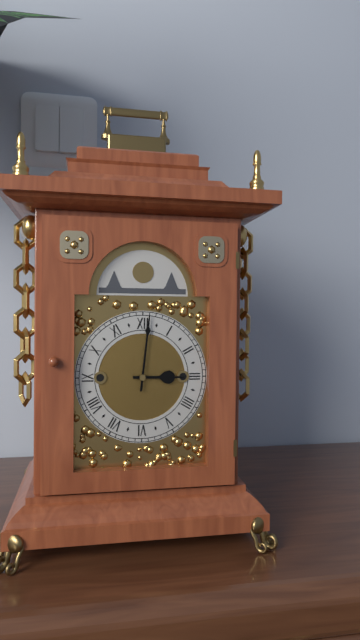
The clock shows 3 h 01 min
